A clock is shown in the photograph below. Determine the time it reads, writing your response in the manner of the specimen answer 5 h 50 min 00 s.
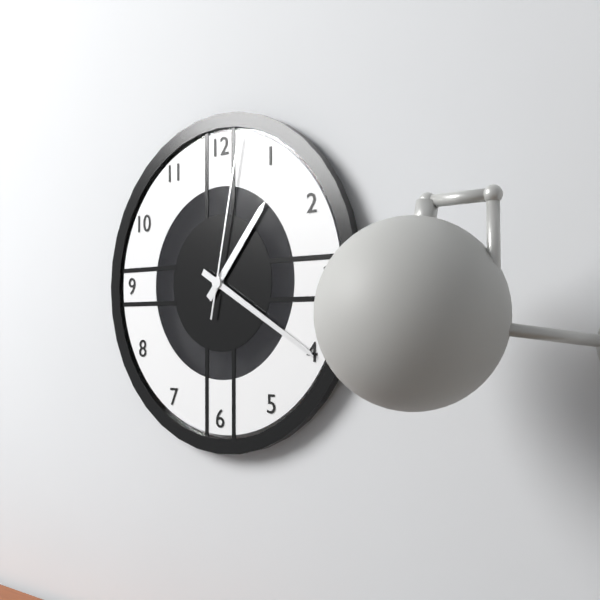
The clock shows 1 h 20 min 02 s
